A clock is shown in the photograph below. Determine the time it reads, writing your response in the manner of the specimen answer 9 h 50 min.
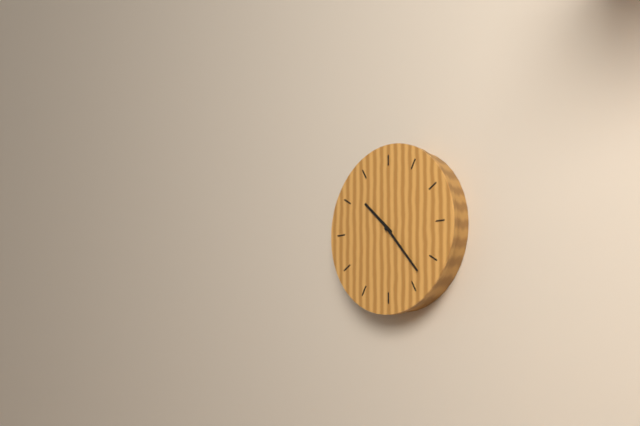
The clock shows 10 h 23 min
